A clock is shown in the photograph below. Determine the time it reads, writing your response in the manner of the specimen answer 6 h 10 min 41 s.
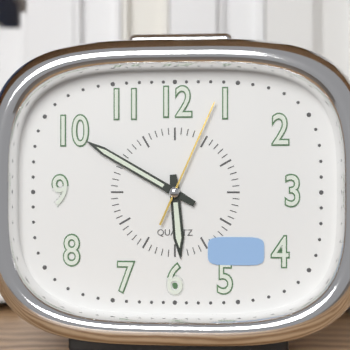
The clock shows 5 h 50 min 04 s
